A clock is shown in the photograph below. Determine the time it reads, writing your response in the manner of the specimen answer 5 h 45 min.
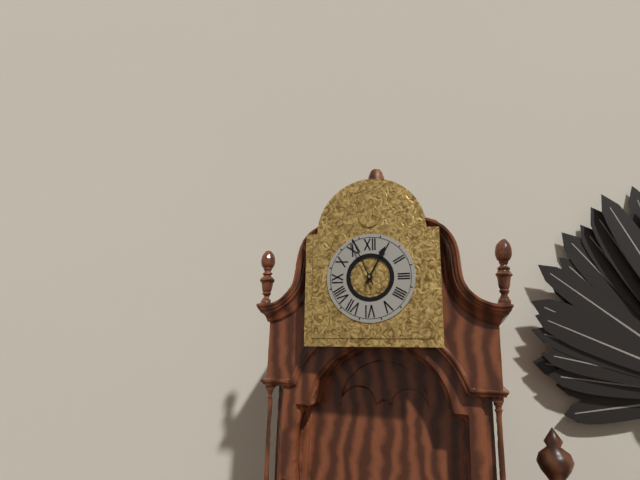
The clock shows 12 h 56 min
